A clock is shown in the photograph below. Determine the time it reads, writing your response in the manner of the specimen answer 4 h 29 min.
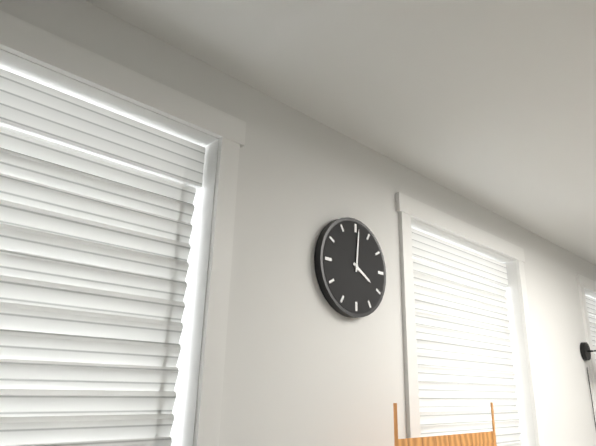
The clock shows 4 h 01 min
